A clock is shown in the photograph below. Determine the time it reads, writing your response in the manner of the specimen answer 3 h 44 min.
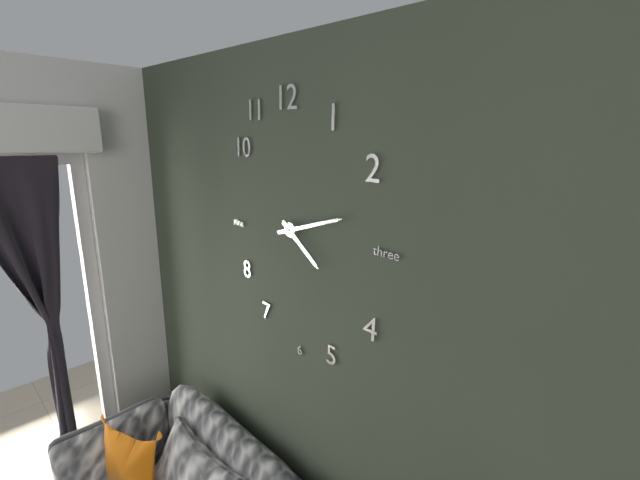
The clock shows 4 h 12 min
